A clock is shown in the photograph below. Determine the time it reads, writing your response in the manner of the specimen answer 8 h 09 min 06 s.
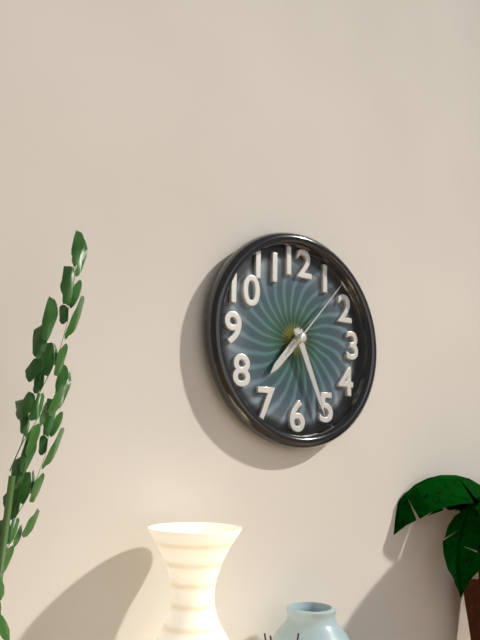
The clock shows 7 h 26 min 07 s
